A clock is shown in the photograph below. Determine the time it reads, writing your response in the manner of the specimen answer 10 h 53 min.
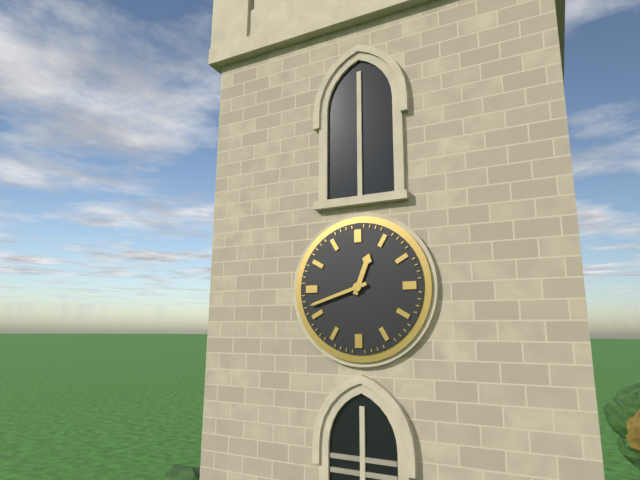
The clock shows 12 h 42 min
